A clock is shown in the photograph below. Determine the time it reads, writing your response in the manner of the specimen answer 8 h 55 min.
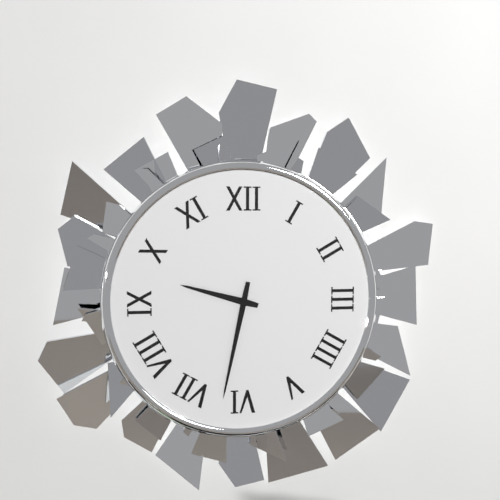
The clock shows 9 h 32 min
